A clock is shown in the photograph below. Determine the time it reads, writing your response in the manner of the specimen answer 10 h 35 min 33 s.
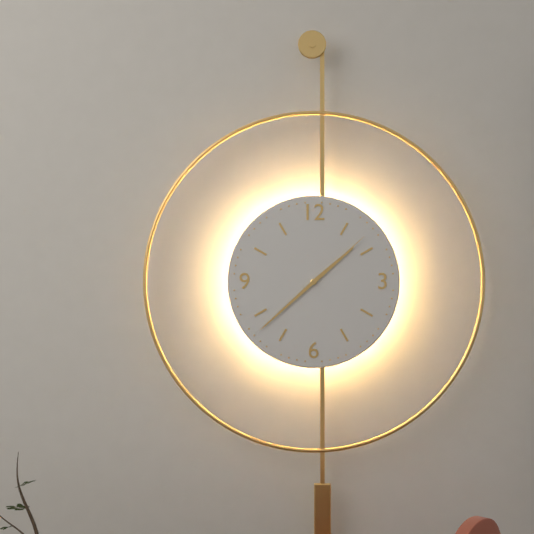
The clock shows 1 h 38 min 08 s
